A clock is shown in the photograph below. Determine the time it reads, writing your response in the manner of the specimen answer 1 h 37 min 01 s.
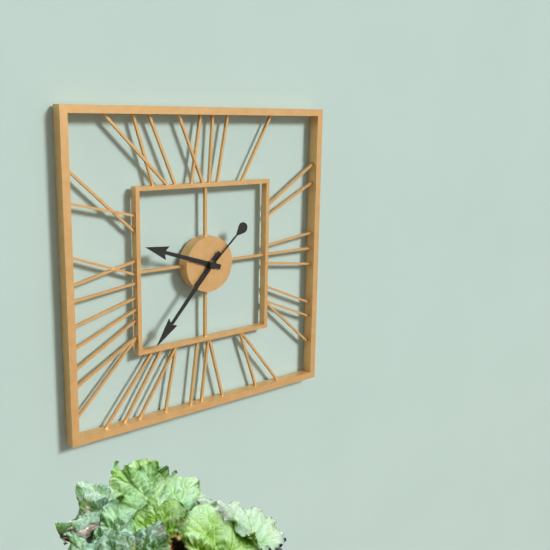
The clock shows 9 h 37 min 08 s
